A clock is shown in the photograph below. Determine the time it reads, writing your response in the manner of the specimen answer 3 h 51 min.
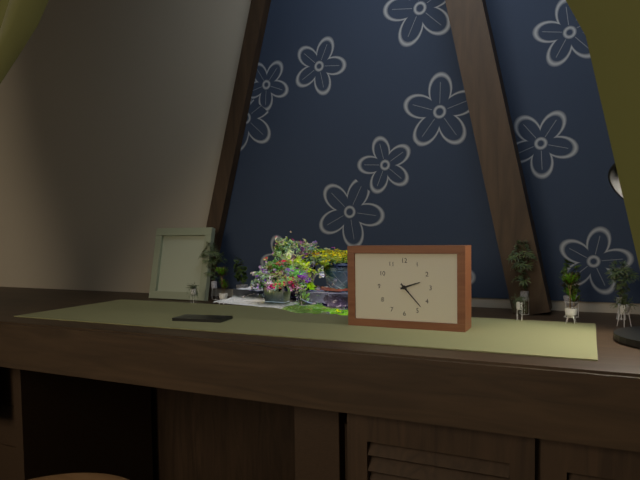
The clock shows 2 h 23 min
